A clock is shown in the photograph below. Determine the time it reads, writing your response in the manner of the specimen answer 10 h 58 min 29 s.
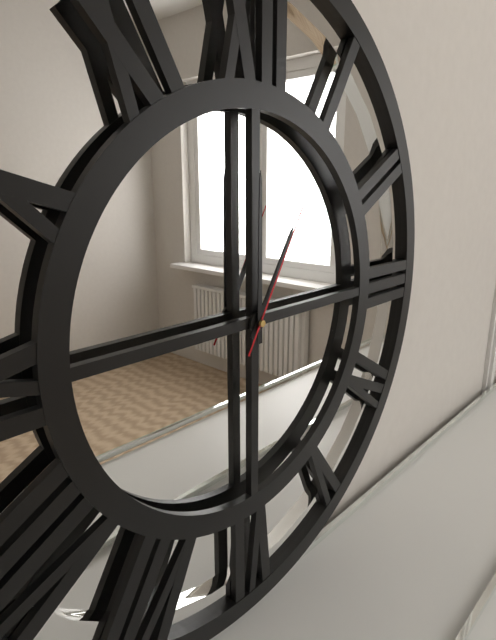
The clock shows 1 h 00 min 05 s
